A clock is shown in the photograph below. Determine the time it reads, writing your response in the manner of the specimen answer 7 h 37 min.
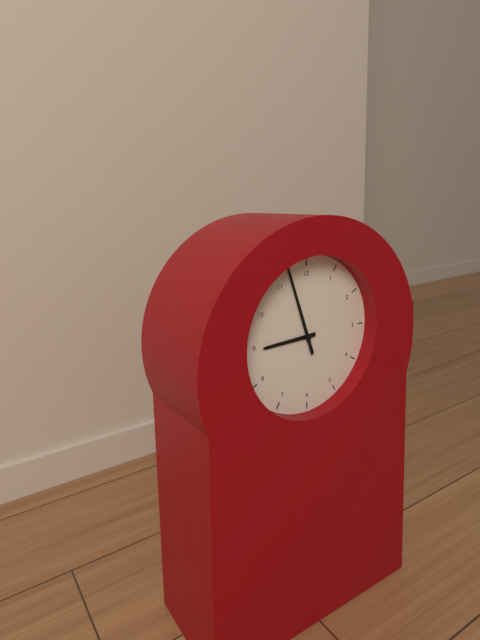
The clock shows 8 h 57 min
